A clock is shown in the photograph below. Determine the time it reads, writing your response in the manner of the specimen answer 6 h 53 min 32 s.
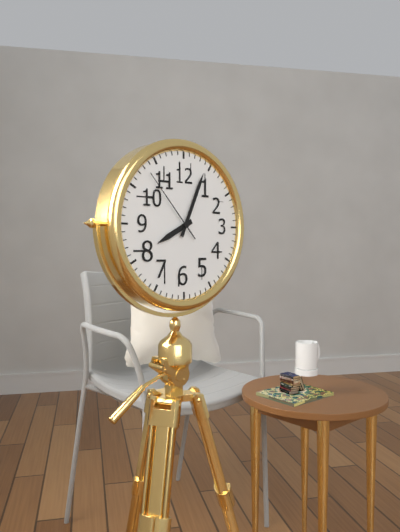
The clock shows 8 h 04 min 53 s
